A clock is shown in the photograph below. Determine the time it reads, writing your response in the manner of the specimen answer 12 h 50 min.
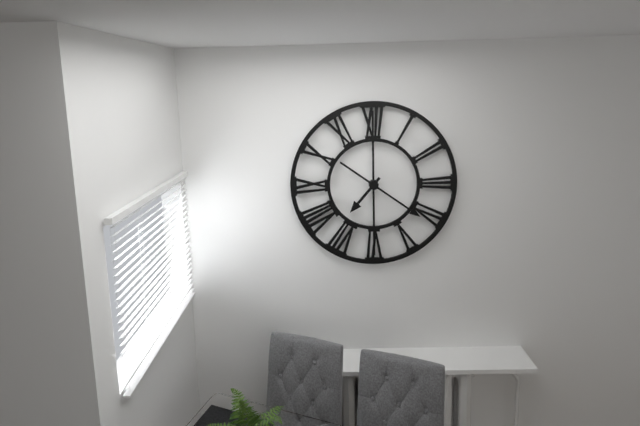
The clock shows 7 h 21 min
